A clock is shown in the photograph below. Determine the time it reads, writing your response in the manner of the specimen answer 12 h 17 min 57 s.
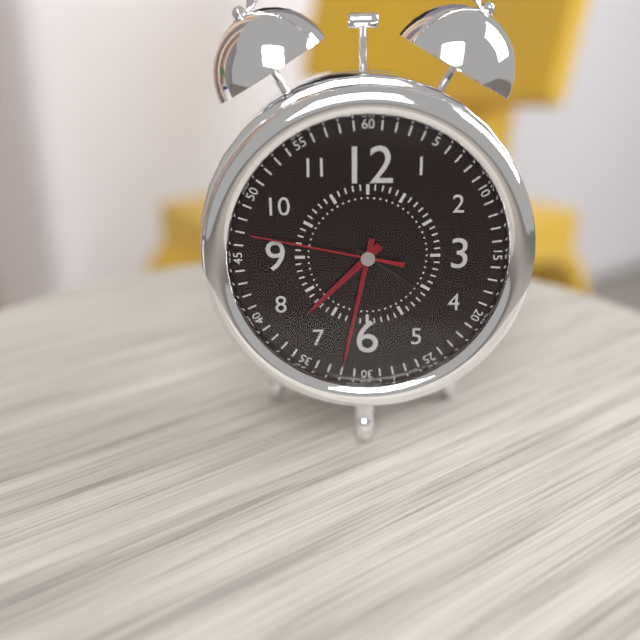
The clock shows 7 h 32 min 47 s
